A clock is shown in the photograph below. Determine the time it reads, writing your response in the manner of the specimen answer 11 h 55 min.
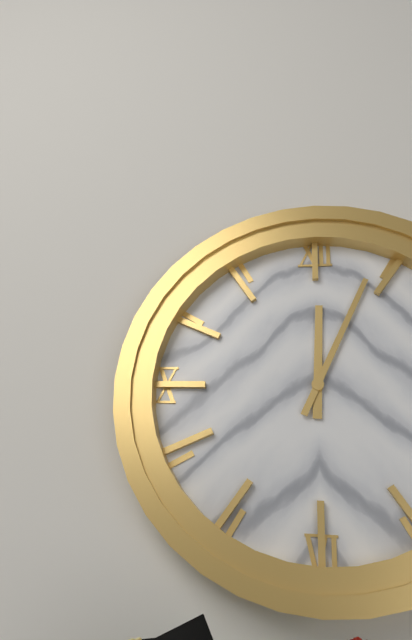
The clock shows 12 h 04 min
